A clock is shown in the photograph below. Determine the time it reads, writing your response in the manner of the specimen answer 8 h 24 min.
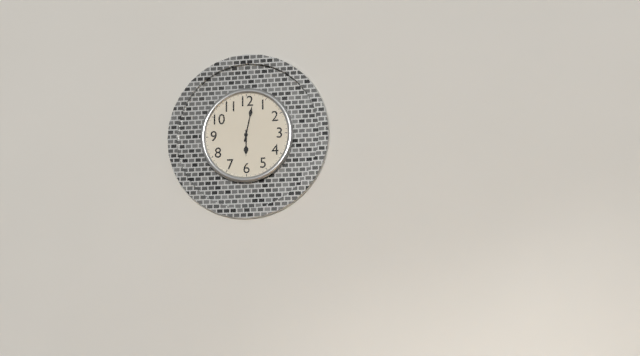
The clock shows 6 h 02 min
